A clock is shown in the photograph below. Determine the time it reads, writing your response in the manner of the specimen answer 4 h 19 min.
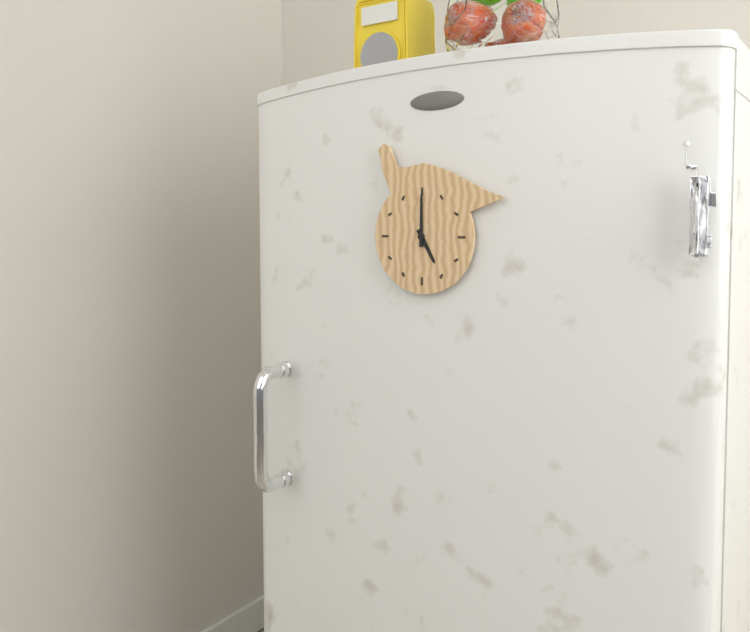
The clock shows 5 h 00 min
